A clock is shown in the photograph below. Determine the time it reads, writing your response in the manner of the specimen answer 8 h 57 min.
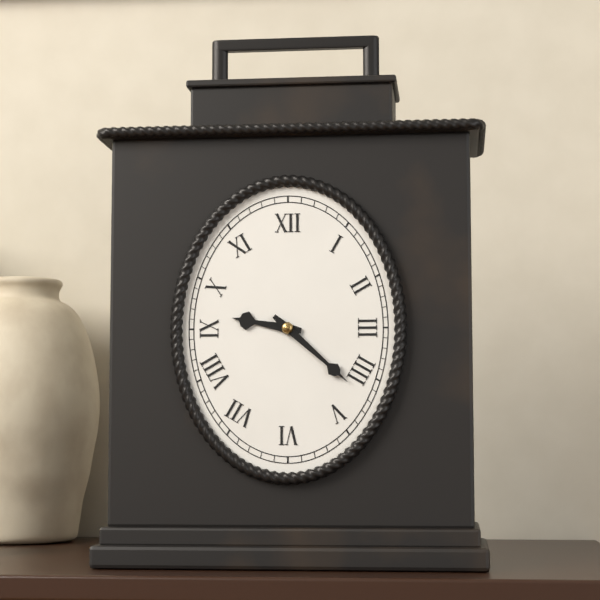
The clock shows 9 h 22 min
